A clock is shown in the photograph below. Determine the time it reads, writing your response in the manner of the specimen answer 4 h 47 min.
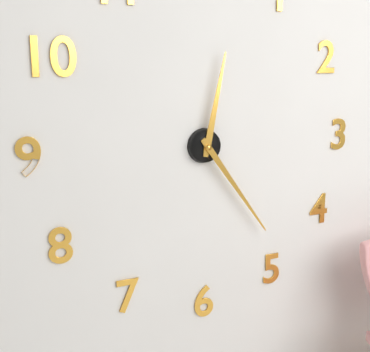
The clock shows 12 h 24 min
